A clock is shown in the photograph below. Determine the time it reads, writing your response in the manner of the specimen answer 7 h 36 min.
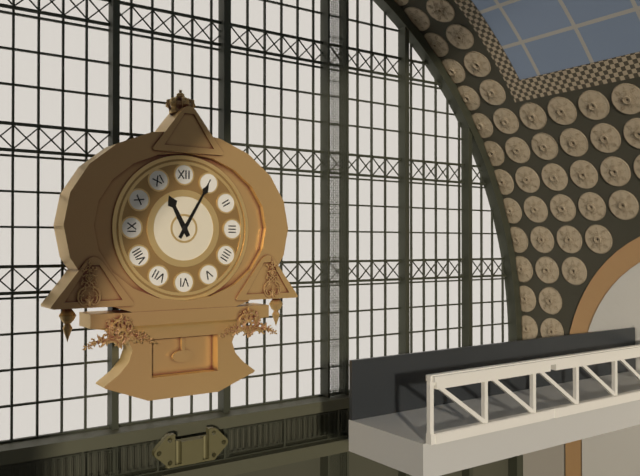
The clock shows 11 h 05 min
